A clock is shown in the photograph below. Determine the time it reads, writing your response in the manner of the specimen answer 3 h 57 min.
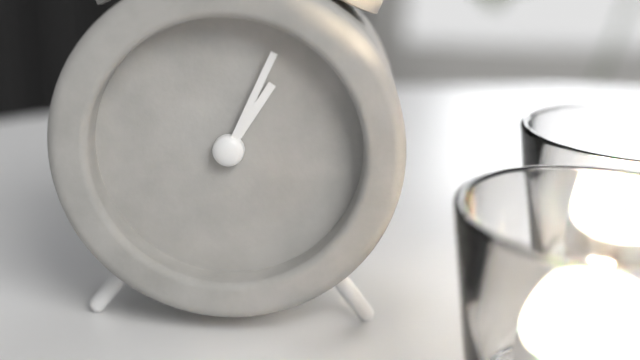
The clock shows 1 h 04 min
